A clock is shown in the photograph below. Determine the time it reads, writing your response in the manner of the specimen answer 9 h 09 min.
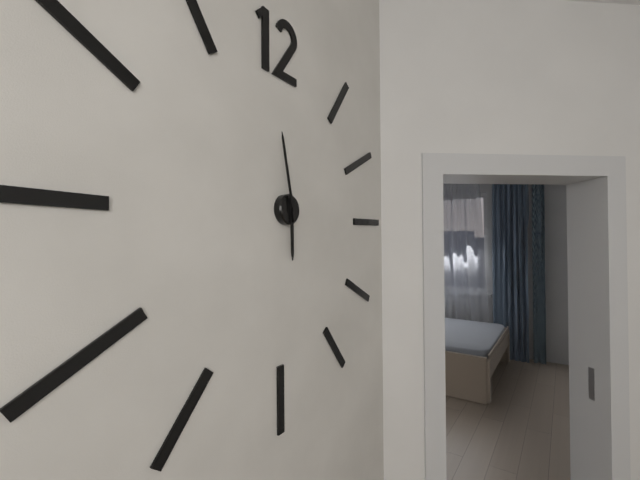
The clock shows 5 h 58 min
